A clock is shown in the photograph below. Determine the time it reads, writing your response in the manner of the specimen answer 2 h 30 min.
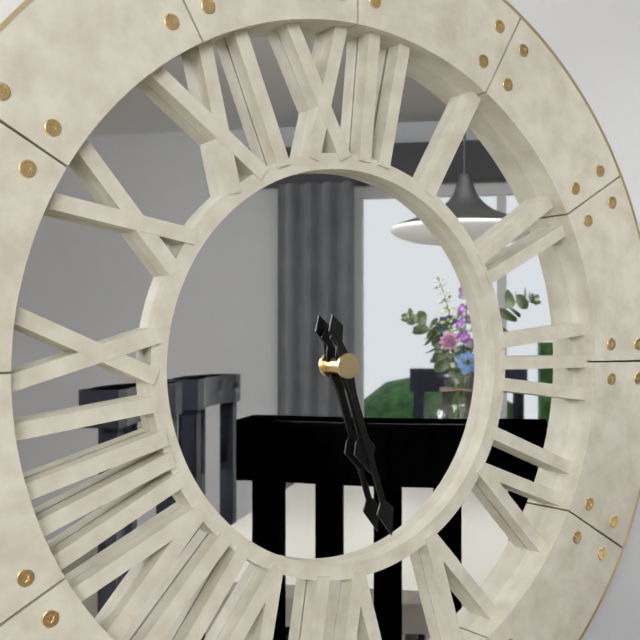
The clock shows 5 h 27 min
